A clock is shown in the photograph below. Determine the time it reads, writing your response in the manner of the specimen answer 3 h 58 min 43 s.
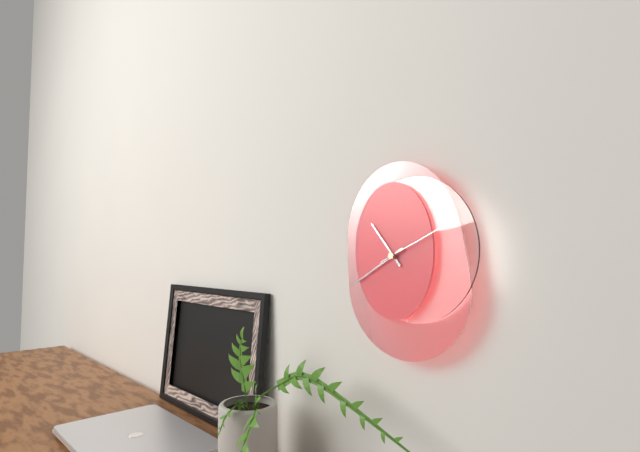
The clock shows 10 h 40 min 11 s
